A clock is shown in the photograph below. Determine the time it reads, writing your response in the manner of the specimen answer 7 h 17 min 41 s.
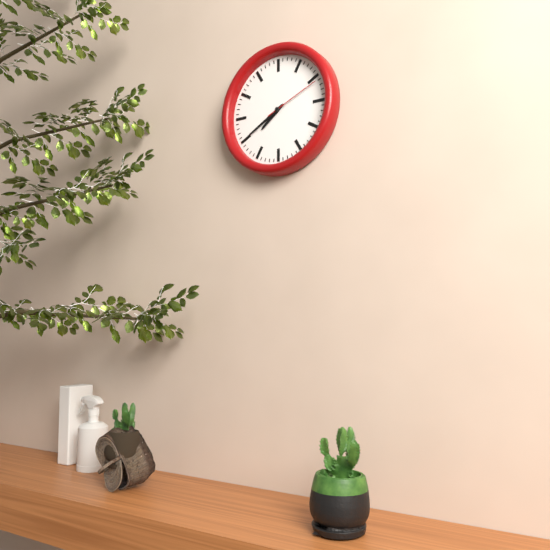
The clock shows 7 h 40 min 11 s
